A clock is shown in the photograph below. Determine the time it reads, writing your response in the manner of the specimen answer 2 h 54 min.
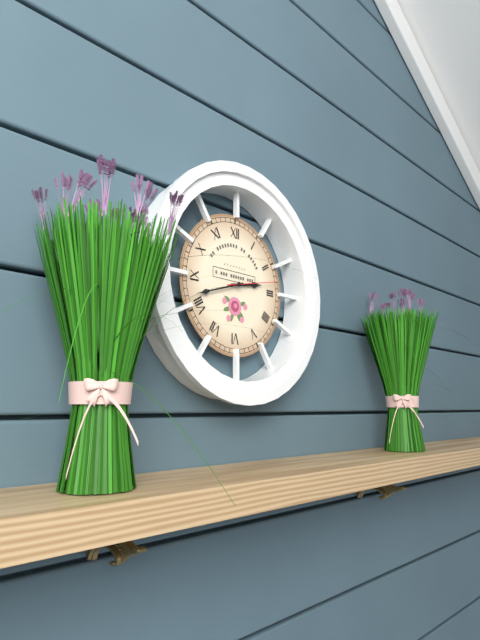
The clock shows 2 h 42 min
